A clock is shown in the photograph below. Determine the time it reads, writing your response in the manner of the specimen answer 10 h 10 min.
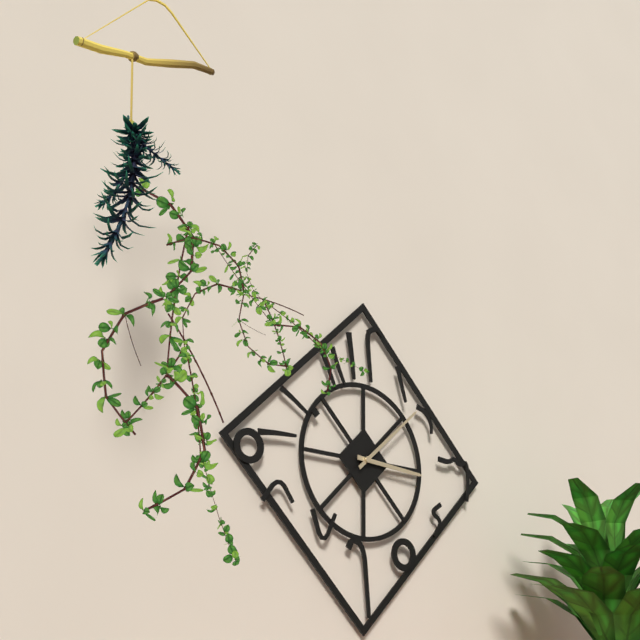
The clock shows 3 h 08 min
